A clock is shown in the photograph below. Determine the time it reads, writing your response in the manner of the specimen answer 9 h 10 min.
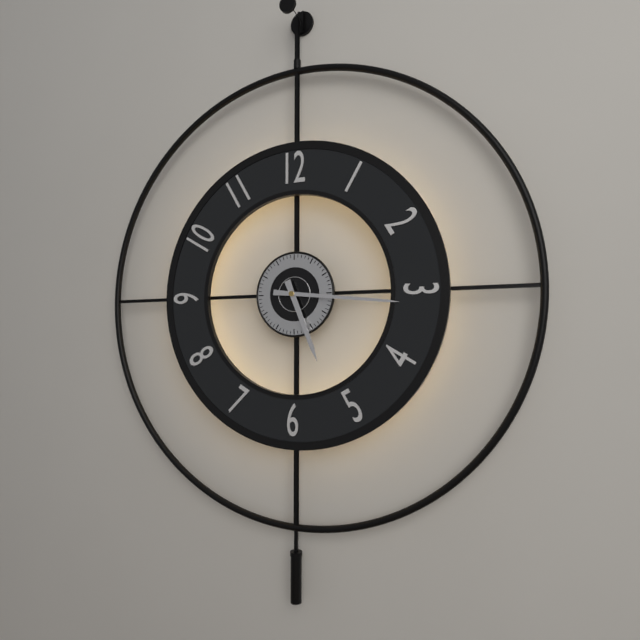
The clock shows 5 h 16 min
